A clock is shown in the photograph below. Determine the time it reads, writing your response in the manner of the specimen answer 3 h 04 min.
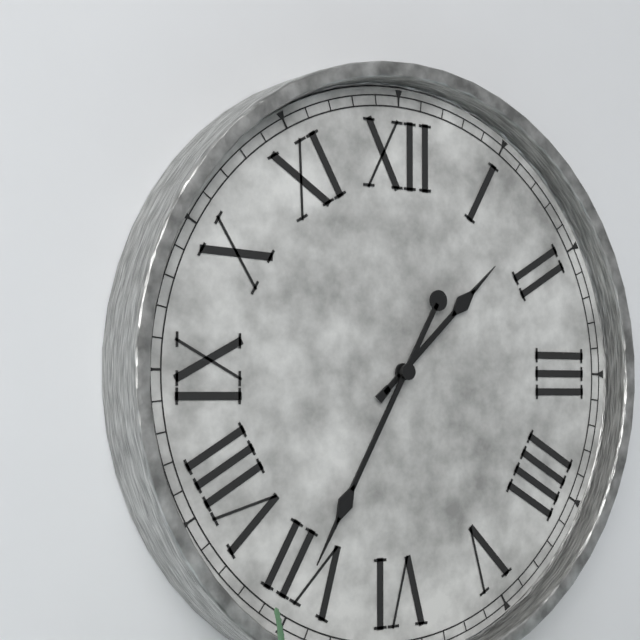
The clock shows 1 h 35 min
